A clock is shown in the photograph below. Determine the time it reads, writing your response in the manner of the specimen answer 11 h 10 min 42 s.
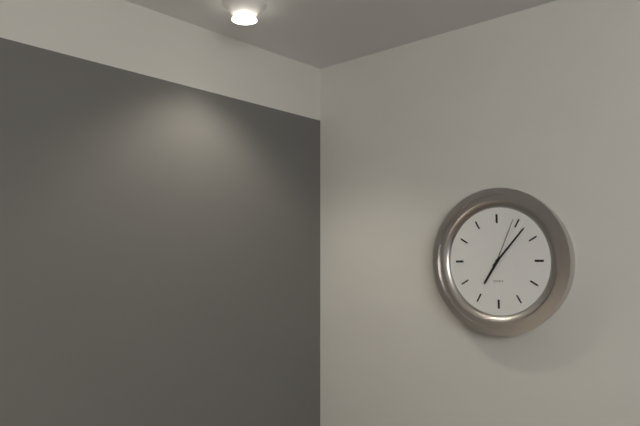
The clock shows 7 h 07 min 04 s
